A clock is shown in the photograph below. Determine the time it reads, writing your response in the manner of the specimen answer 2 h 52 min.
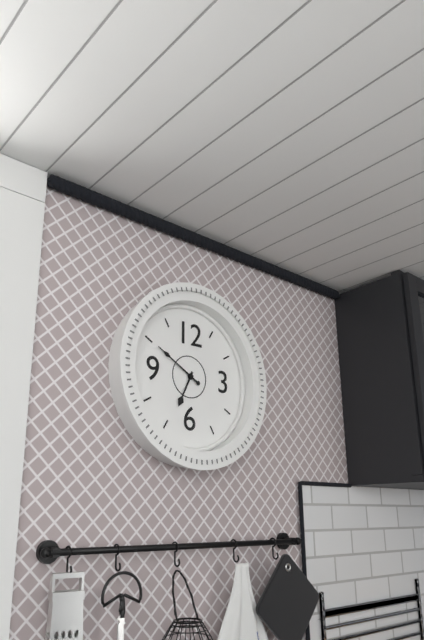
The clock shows 6 h 50 min
